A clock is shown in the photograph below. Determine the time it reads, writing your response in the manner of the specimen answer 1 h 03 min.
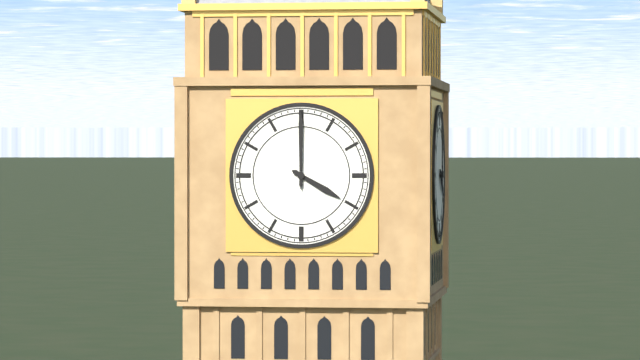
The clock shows 4 h 00 min
